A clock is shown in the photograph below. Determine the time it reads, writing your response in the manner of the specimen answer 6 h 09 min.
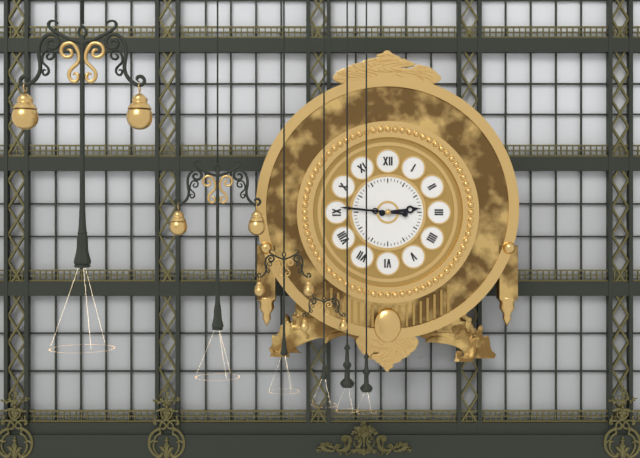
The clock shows 2 h 46 min
